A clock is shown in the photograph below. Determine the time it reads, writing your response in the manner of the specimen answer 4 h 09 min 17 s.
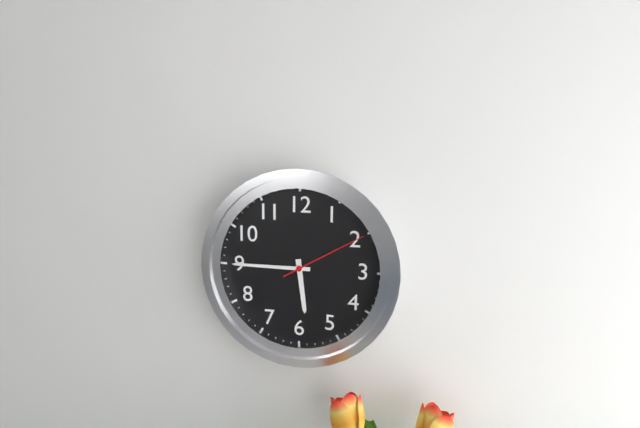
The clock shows 5 h 45 min 10 s
